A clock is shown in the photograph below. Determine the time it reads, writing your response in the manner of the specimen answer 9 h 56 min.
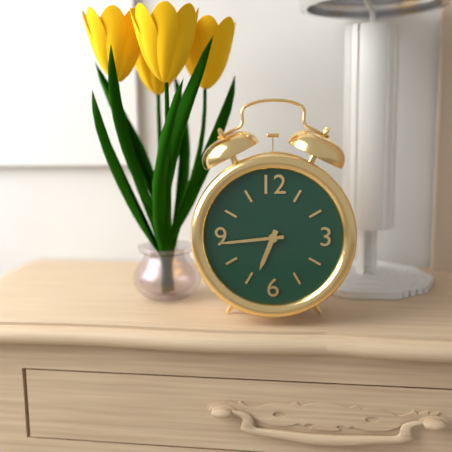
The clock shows 6 h 44 min
